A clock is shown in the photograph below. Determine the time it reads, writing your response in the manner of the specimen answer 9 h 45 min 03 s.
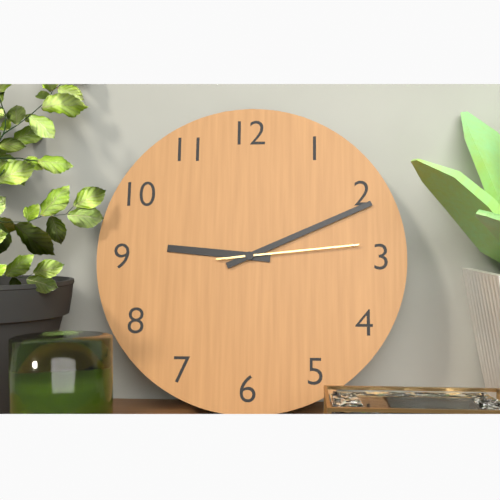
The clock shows 9 h 11 min 14 s
